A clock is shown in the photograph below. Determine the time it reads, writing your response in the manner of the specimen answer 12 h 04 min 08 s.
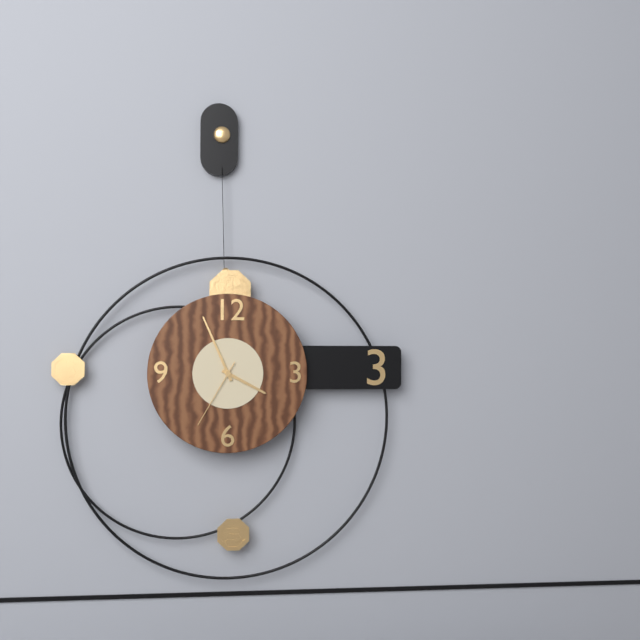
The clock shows 3 h 56 min 35 s
